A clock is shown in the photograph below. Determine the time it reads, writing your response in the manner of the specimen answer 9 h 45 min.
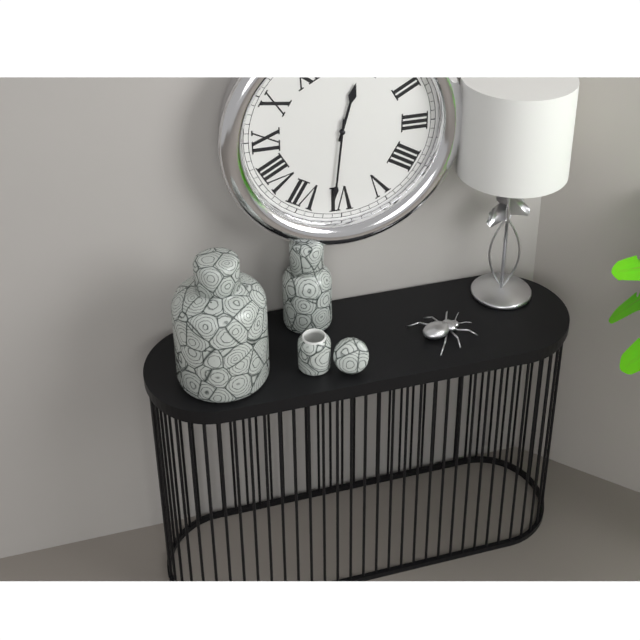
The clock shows 12 h 31 min
